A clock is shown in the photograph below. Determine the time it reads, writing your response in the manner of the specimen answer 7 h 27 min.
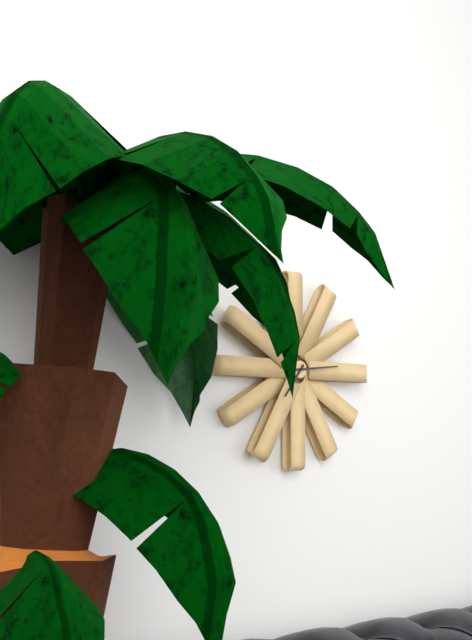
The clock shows 7 h 14 min
